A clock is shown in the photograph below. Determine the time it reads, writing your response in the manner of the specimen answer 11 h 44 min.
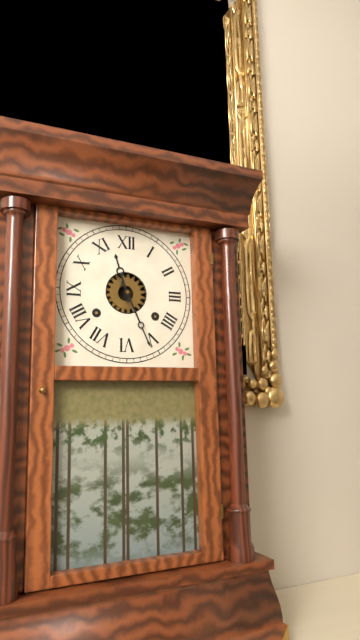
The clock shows 11 h 26 min
